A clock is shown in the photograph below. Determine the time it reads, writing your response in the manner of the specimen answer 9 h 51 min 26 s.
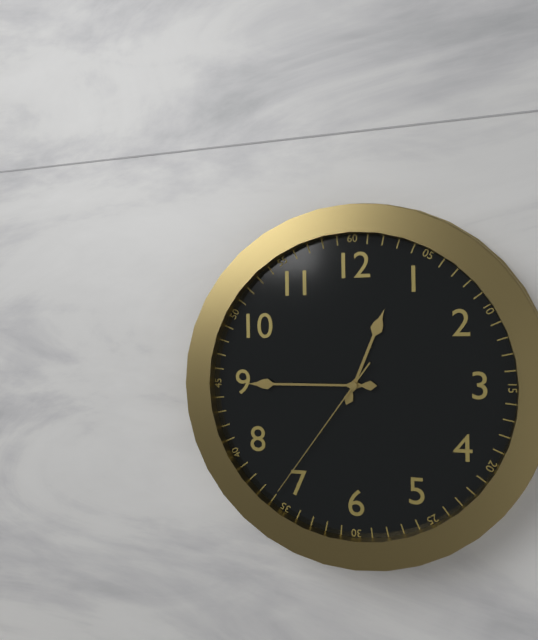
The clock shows 12 h 45 min 36 s
